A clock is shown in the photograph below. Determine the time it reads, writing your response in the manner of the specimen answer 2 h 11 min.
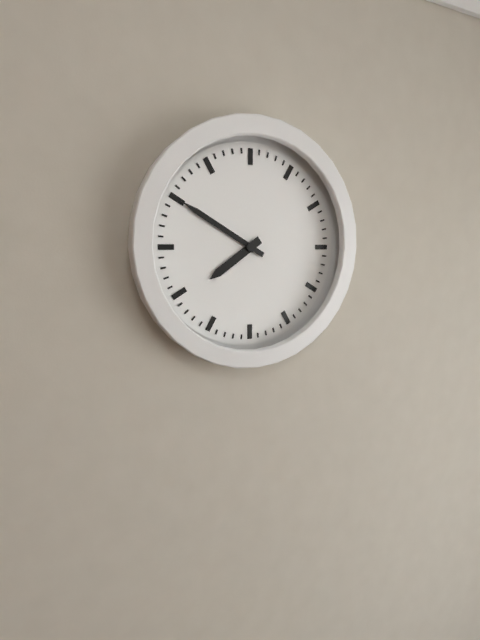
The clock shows 7 h 50 min
